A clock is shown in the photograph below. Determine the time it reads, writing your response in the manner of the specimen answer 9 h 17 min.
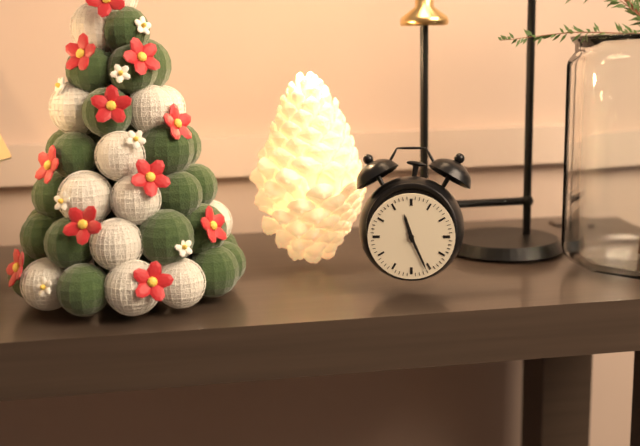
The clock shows 11 h 26 min
